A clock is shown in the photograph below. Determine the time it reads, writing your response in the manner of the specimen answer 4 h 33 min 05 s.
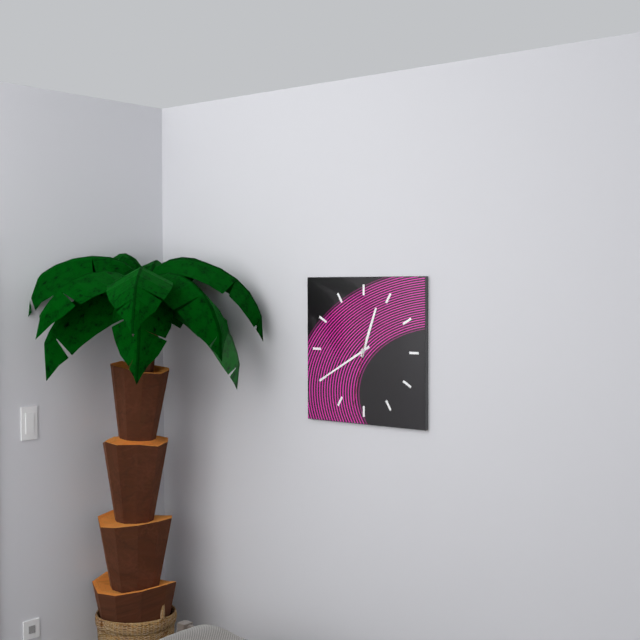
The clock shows 12 h 40 min 32 s
